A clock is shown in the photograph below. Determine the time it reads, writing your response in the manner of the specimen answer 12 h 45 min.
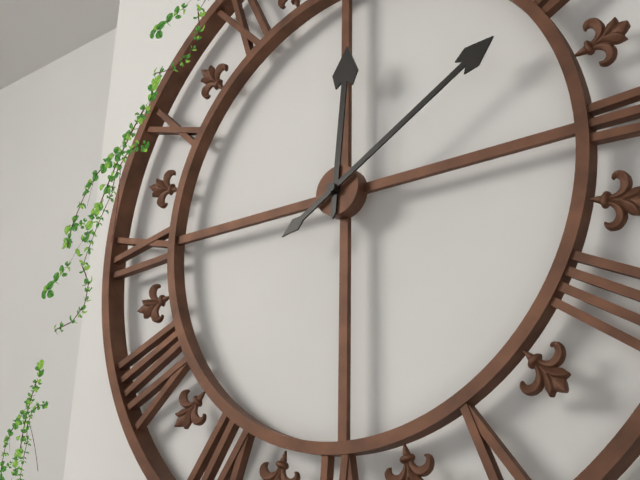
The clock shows 12 h 10 min
